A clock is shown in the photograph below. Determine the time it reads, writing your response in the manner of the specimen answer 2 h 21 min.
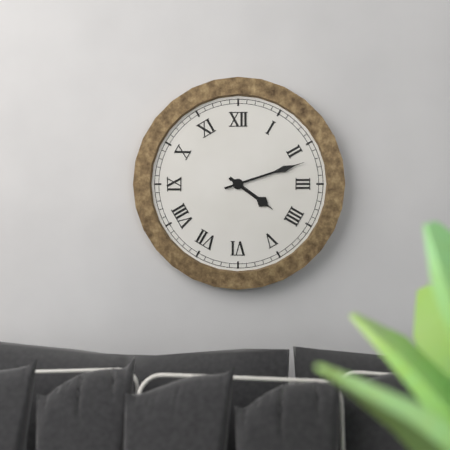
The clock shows 4 h 12 min
